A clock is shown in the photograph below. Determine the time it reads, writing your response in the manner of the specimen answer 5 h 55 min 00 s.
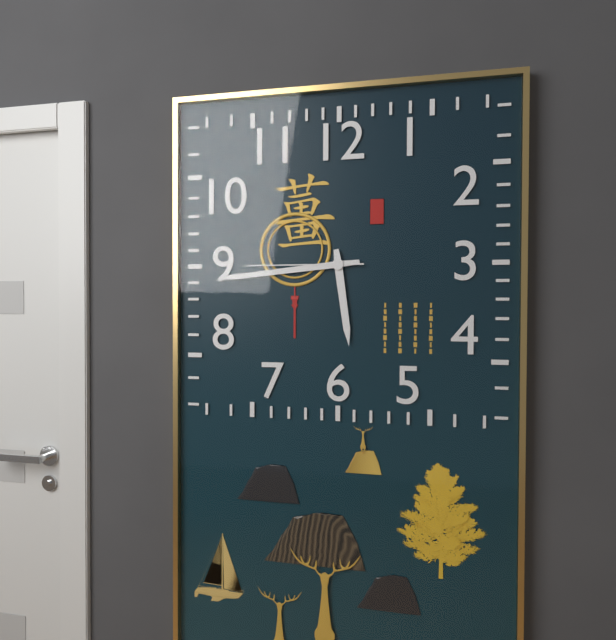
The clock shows 5 h 44 min 45 s
